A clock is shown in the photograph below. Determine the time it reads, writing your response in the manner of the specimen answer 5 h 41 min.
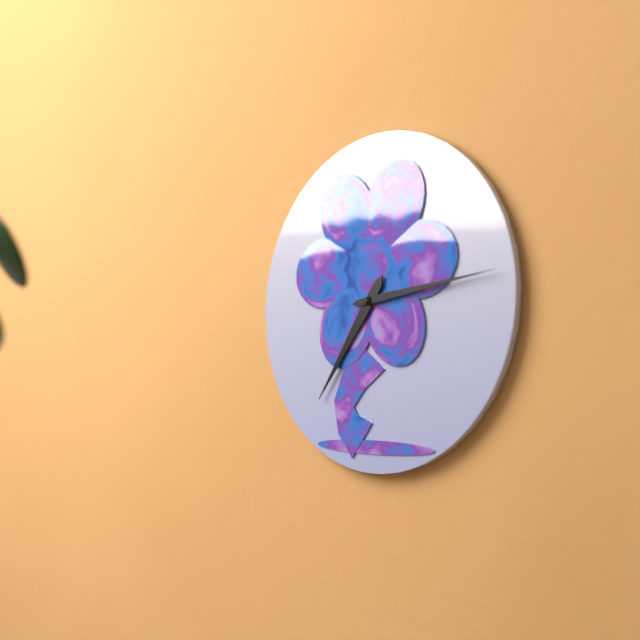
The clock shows 7 h 14 min
